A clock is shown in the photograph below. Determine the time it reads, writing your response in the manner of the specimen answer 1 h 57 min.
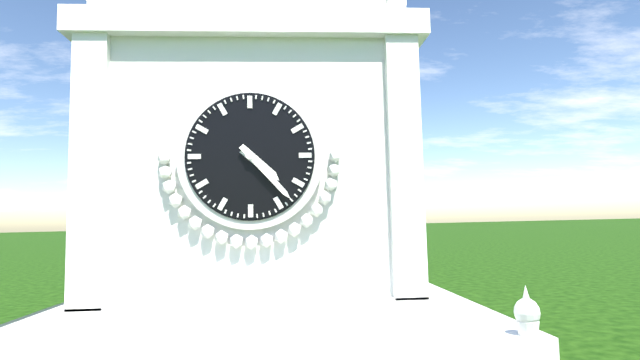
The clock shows 4 h 23 min
